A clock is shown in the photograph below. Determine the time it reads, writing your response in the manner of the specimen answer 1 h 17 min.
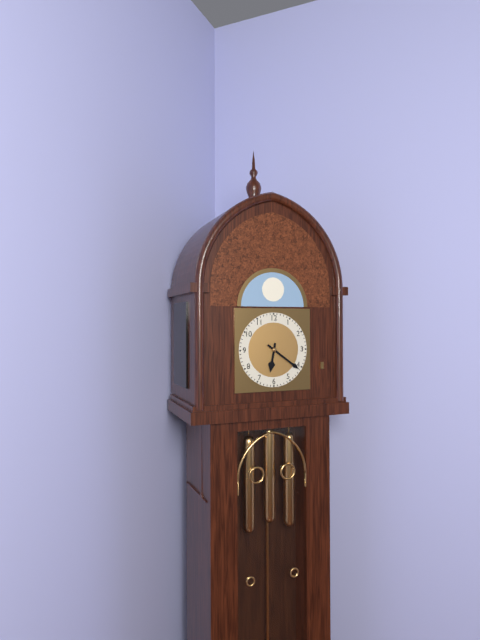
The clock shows 6 h 21 min
